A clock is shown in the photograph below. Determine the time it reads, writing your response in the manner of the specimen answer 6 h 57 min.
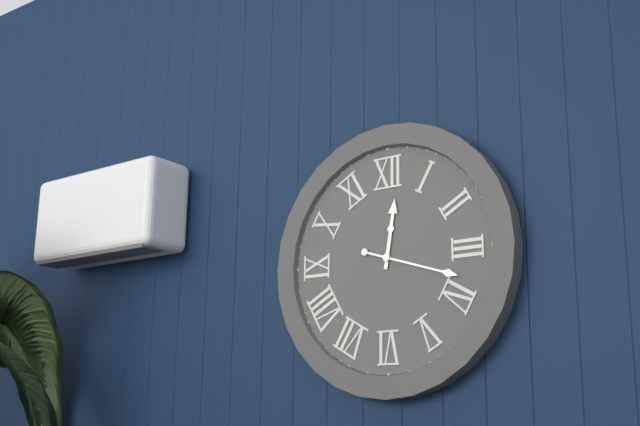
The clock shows 12 h 18 min
